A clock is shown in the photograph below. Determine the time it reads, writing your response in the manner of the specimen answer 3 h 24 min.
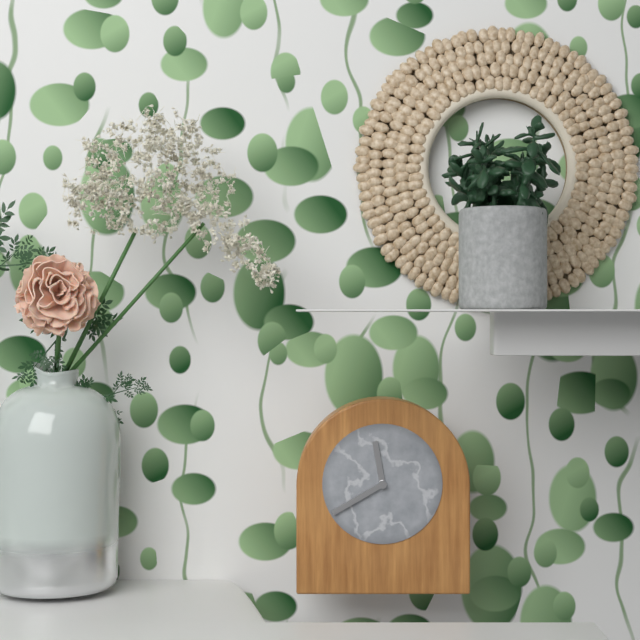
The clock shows 11 h 40 min
